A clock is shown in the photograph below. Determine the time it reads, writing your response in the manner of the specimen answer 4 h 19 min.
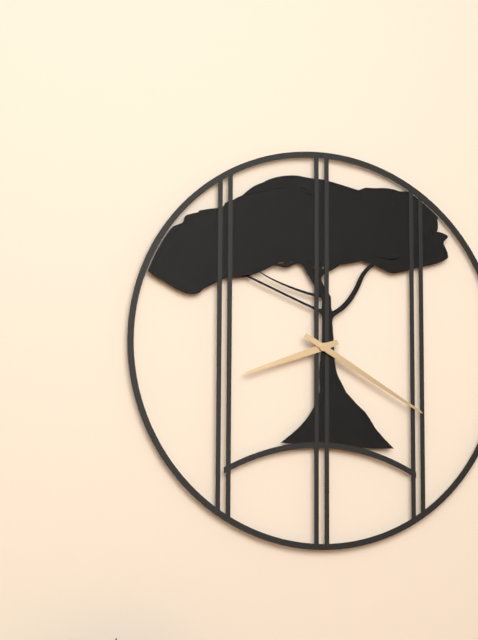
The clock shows 8 h 20 min
